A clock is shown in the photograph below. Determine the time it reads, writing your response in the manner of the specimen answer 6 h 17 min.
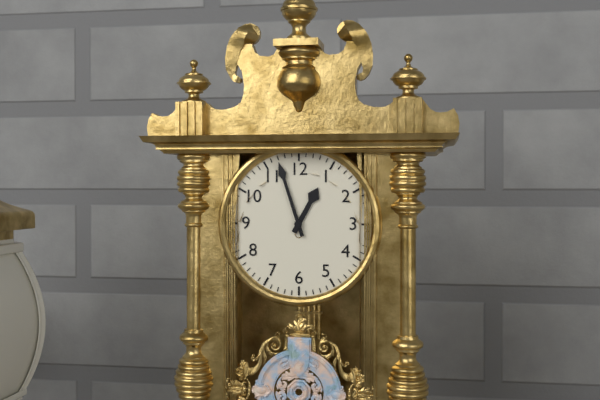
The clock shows 12 h 57 min
